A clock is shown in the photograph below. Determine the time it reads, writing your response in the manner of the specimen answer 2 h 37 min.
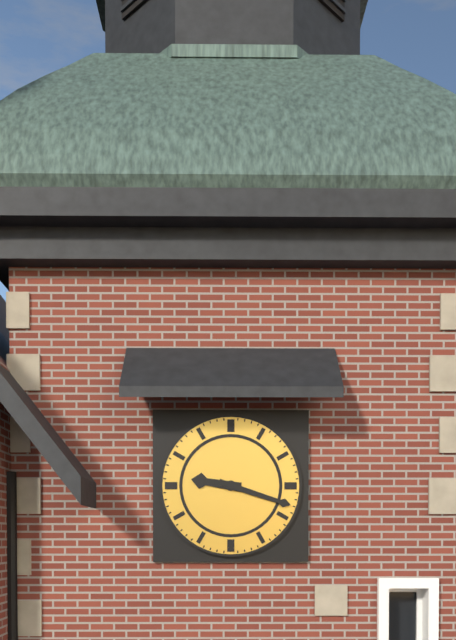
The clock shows 9 h 18 min
